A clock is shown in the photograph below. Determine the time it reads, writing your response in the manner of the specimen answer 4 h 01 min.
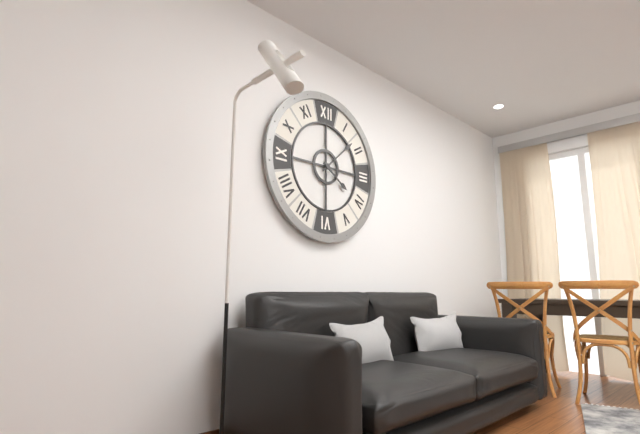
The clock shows 4 h 08 min
